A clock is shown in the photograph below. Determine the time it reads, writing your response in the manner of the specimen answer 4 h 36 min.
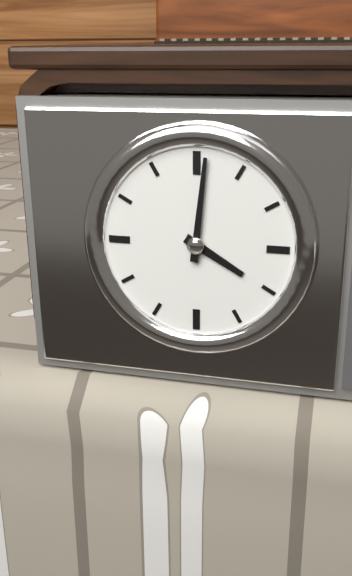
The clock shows 4 h 01 min
